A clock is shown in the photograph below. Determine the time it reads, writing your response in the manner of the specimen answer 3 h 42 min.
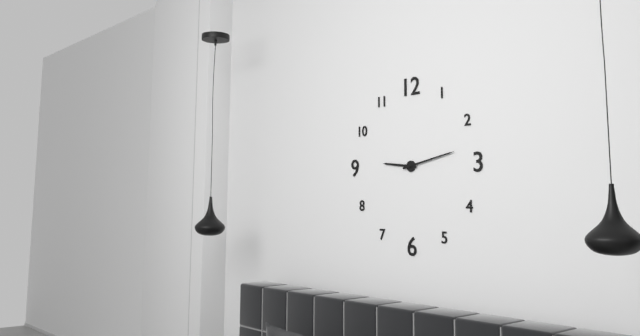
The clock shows 9 h 13 min
